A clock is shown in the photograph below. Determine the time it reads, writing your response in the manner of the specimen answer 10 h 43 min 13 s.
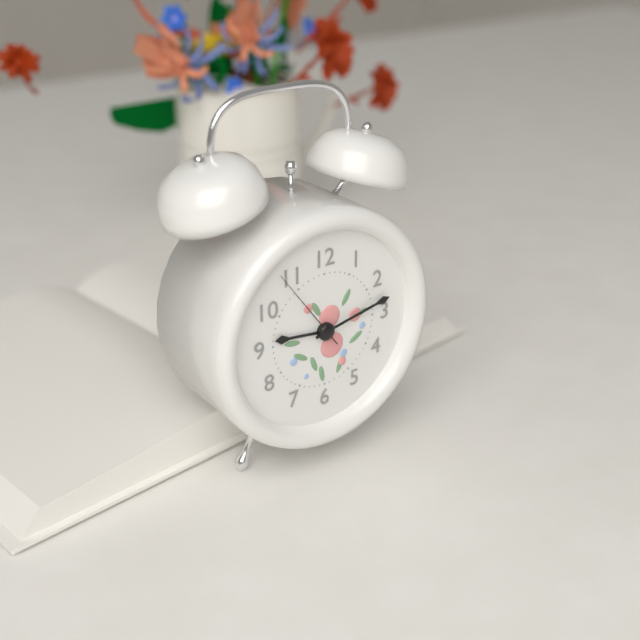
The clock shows 9 h 13 min 54 s
